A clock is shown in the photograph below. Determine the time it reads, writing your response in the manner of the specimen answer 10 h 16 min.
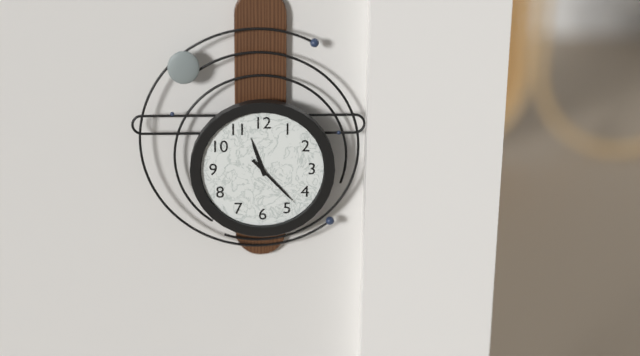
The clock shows 11 h 23 min
